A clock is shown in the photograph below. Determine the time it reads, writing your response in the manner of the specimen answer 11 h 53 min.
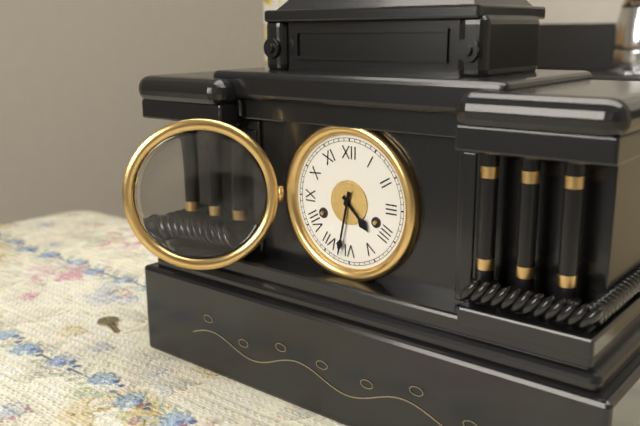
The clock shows 4 h 32 min
